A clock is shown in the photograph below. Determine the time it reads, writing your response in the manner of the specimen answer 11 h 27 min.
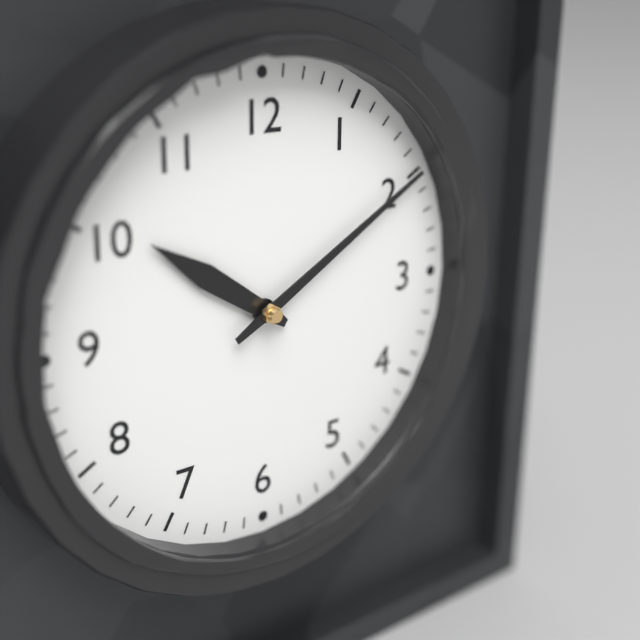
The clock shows 10 h 10 min
